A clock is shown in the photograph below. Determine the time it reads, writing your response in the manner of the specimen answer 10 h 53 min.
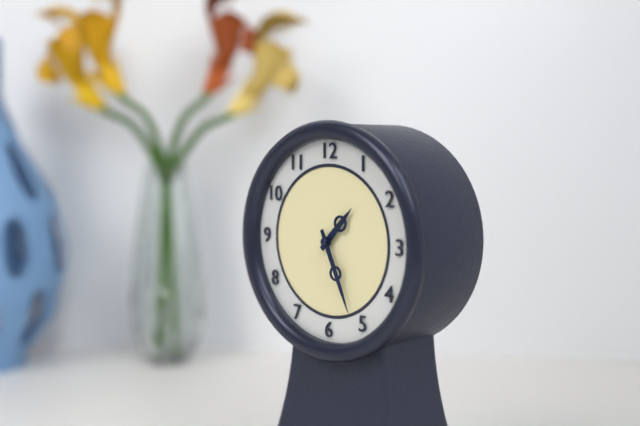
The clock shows 1 h 26 min
